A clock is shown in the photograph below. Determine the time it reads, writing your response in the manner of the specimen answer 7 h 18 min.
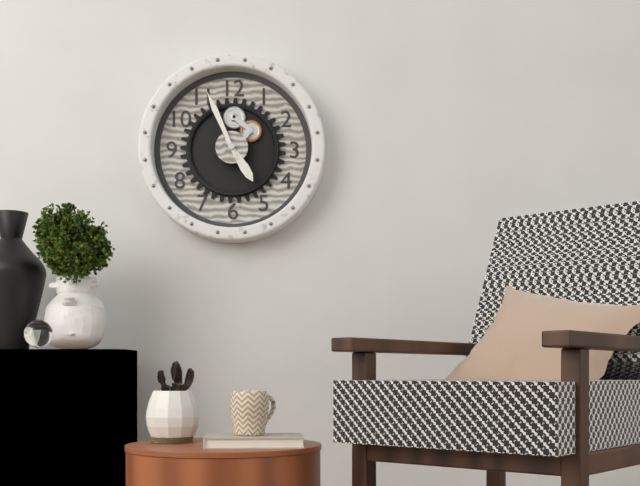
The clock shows 4 h 56 min
